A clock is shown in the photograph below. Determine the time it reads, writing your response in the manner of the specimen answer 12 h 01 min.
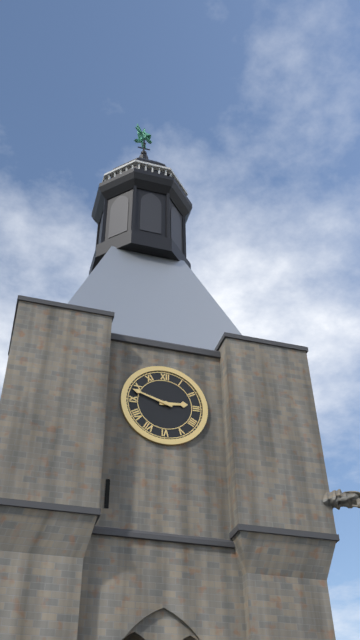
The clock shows 2 h 48 min
